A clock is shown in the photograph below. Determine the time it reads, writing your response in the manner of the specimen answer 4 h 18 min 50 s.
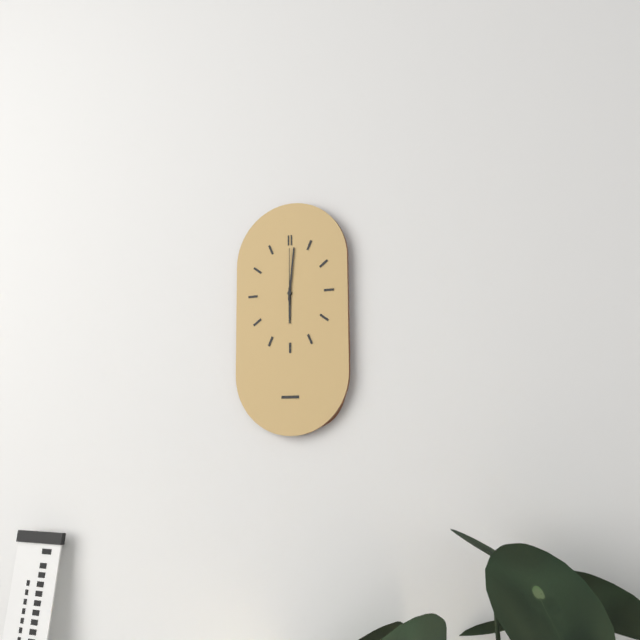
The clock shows 6 h 01 min 00 s
